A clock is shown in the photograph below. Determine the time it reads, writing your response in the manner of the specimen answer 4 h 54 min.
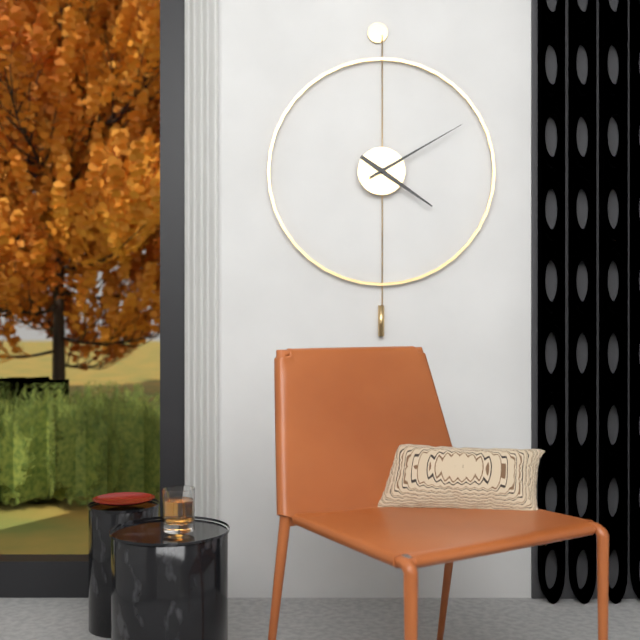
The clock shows 4 h 10 min
